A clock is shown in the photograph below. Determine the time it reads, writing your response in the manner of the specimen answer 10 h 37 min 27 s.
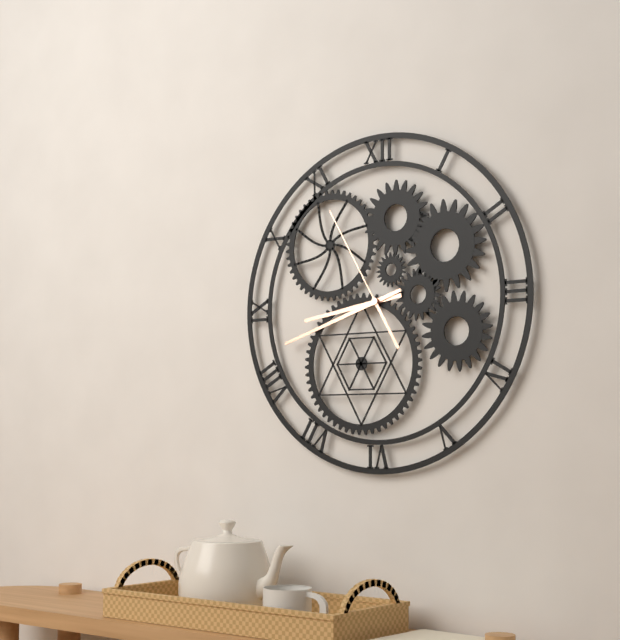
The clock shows 8 h 42 min 55 s
